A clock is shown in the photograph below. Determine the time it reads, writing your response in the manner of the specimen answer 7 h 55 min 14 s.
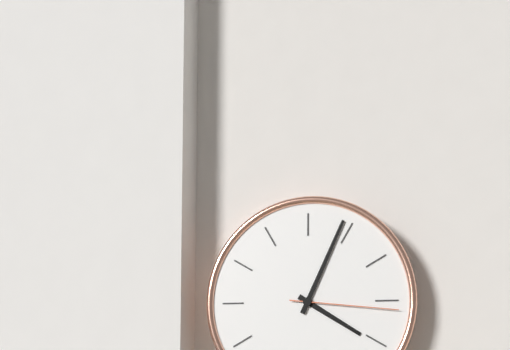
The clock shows 4 h 04 min 16 s
